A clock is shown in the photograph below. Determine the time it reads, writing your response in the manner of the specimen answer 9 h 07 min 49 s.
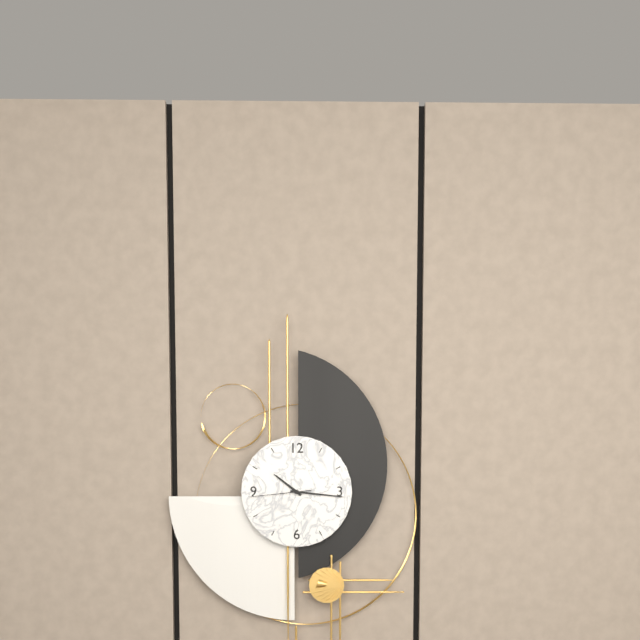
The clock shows 10 h 16 min 44 s
